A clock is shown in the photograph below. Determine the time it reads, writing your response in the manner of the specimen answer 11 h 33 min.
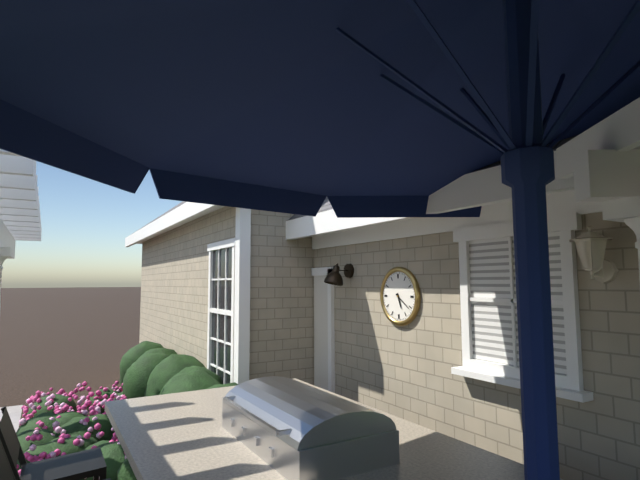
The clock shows 5 h 21 min
